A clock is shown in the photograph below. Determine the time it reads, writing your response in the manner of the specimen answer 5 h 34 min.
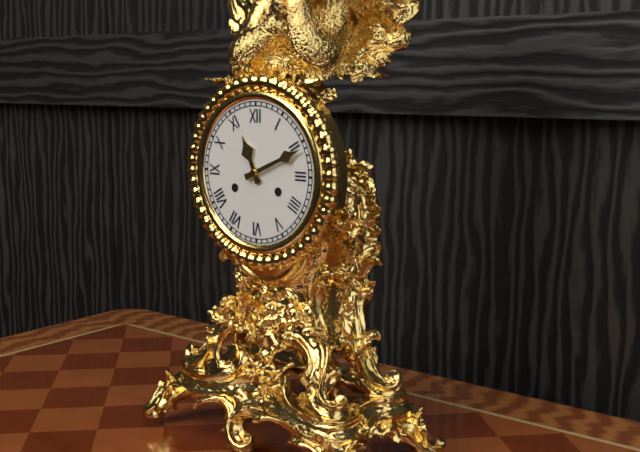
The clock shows 11 h 11 min
